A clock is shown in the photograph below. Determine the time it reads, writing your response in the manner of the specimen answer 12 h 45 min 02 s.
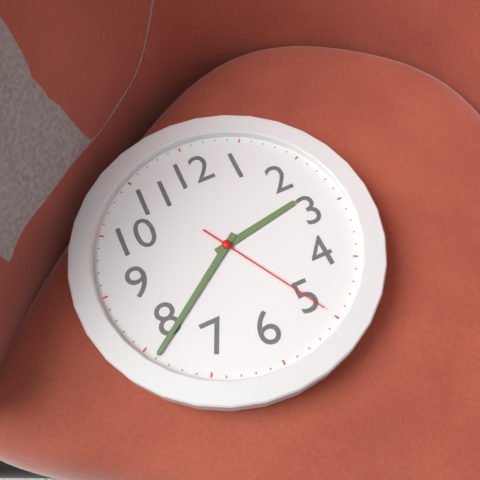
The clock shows 2 h 39 min 25 s
